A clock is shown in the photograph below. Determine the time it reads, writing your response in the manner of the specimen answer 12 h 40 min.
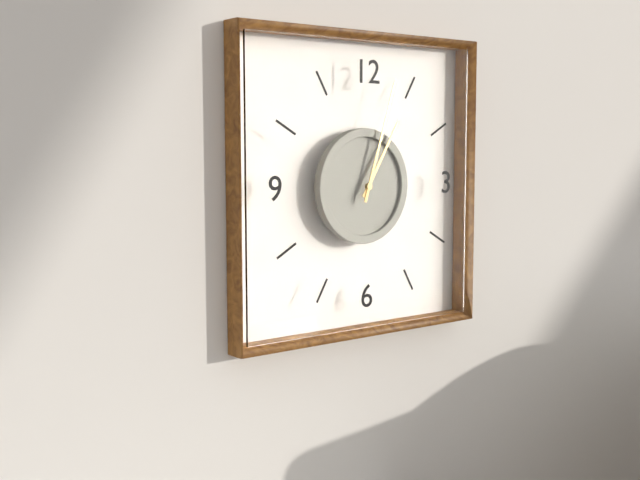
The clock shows 1 h 03 min
